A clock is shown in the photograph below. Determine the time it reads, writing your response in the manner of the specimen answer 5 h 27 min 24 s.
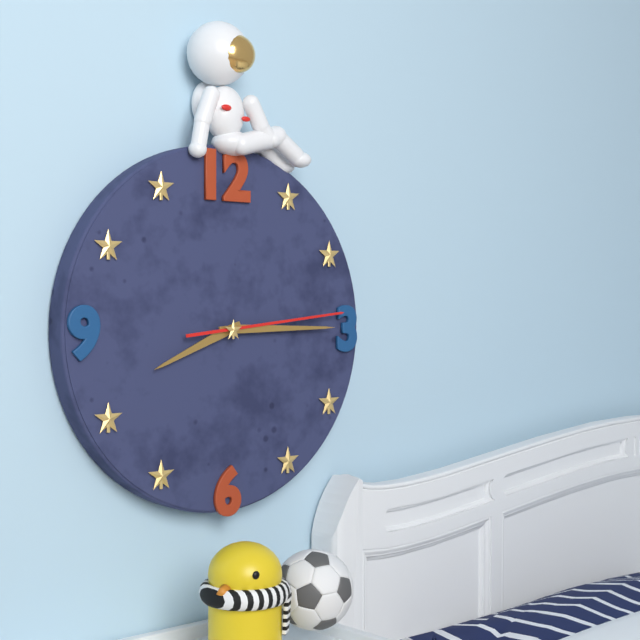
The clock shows 8 h 15 min 14 s
